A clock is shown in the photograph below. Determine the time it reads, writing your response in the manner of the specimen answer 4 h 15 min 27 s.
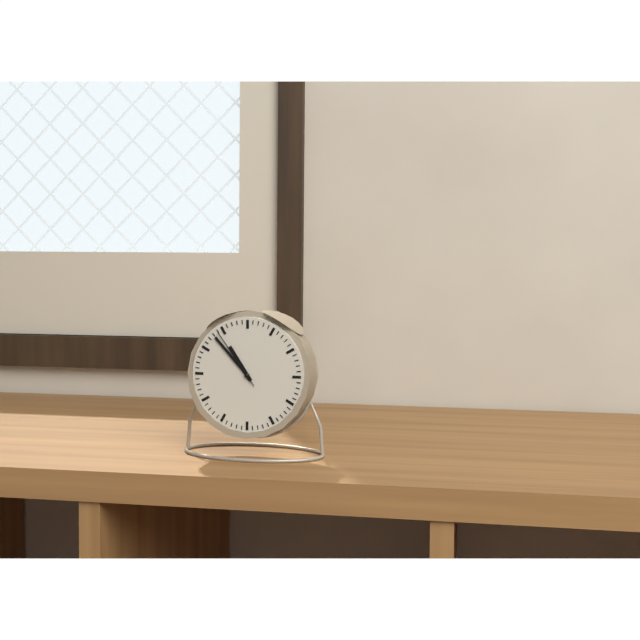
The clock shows 10 h 53 min 54 s
